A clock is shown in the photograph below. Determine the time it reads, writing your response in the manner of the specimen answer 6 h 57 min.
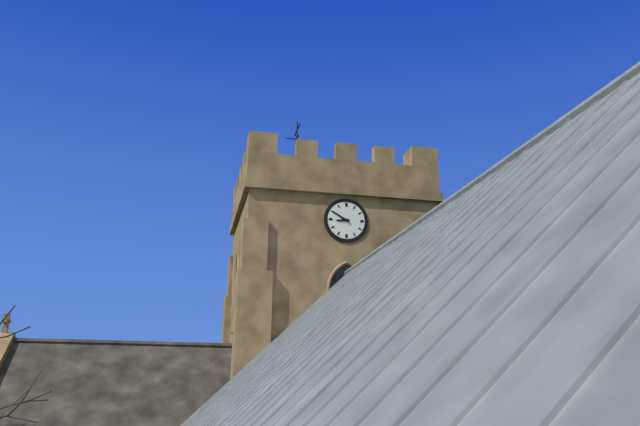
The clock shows 8 h 50 min
